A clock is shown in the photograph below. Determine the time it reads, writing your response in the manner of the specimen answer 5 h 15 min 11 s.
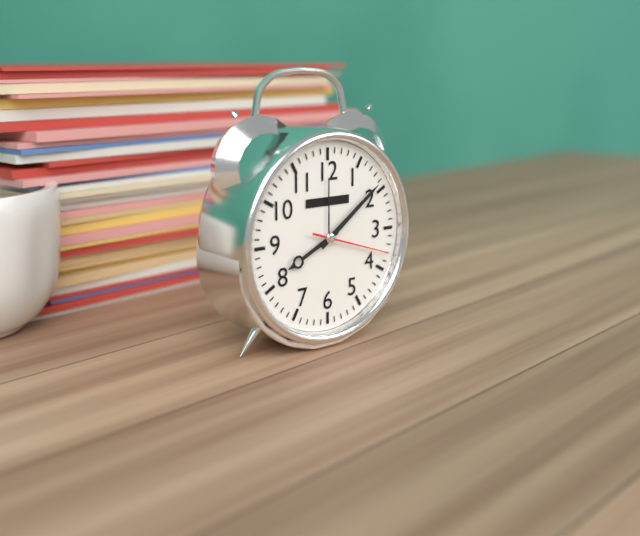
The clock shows 8 h 09 min 18 s
